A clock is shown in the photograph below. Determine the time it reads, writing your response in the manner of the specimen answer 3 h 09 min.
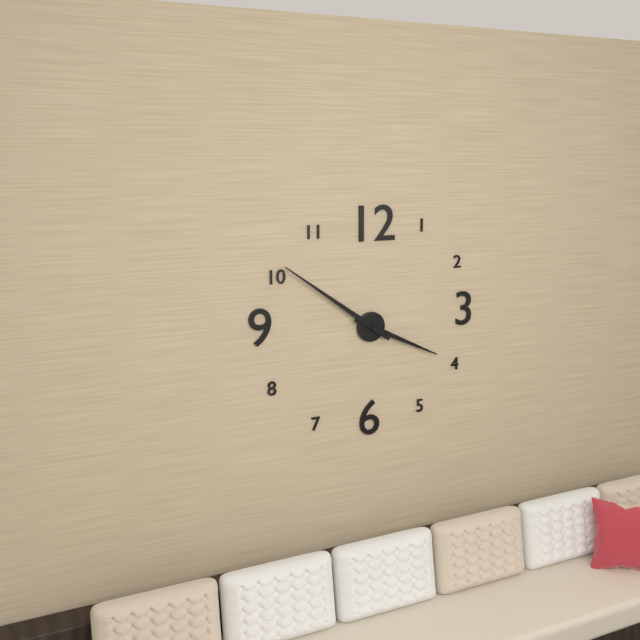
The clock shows 3 h 51 min
